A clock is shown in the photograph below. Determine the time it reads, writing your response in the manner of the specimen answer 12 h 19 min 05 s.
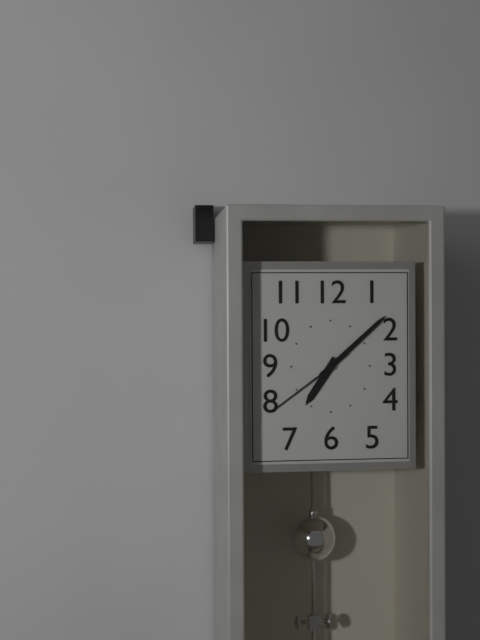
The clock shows 7 h 08 min 39 s
